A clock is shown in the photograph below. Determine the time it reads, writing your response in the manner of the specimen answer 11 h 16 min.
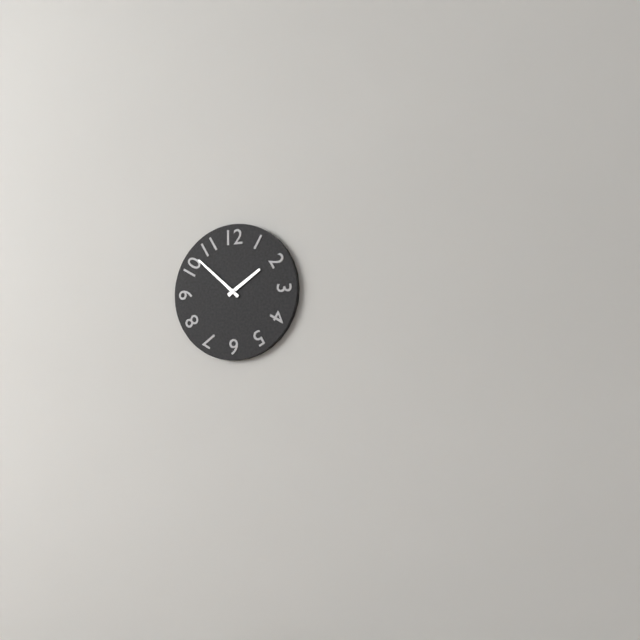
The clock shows 1 h 52 min
